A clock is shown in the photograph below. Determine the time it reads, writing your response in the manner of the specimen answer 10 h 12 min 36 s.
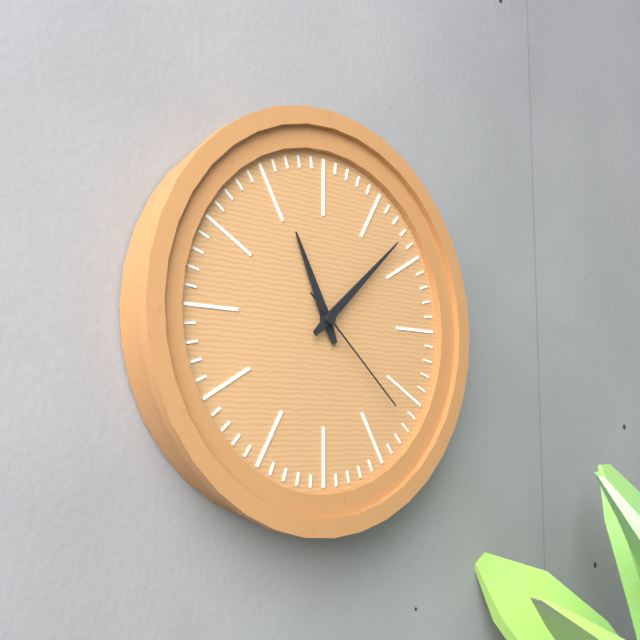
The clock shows 11 h 08 min 22 s
